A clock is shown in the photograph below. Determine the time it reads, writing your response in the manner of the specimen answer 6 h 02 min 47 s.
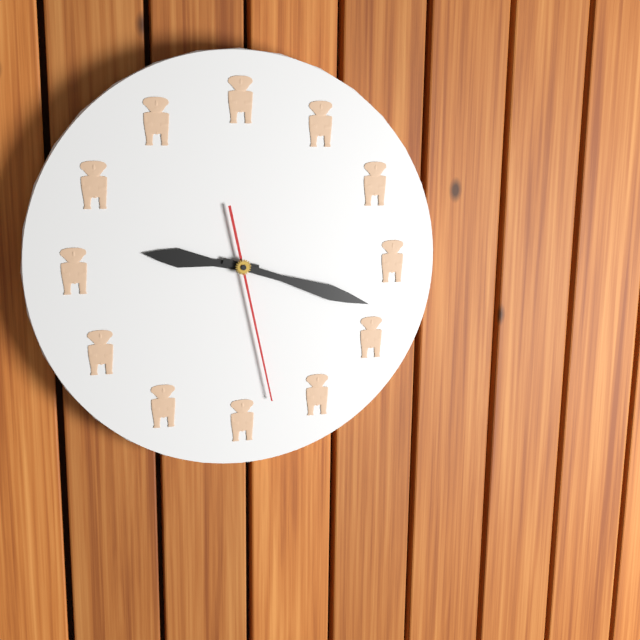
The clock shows 9 h 18 min 28 s
